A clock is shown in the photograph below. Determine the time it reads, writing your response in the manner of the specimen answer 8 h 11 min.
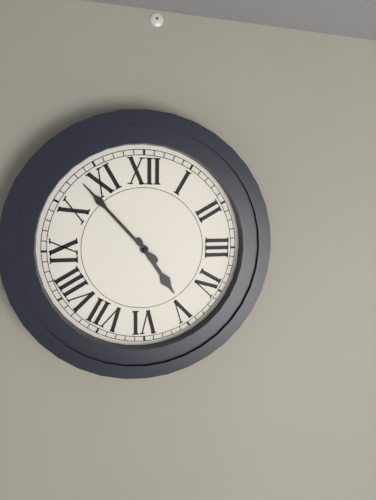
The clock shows 4 h 53 min
